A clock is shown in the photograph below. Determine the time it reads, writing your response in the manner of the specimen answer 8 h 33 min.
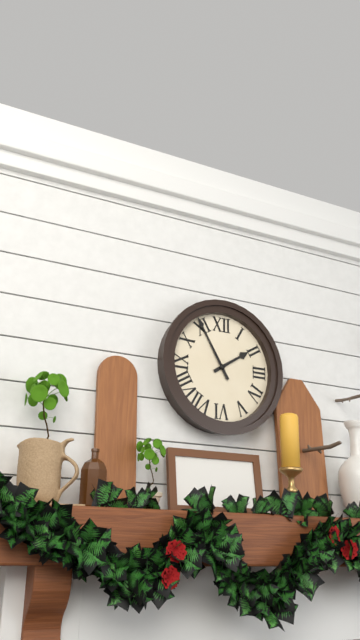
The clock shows 1 h 55 min
